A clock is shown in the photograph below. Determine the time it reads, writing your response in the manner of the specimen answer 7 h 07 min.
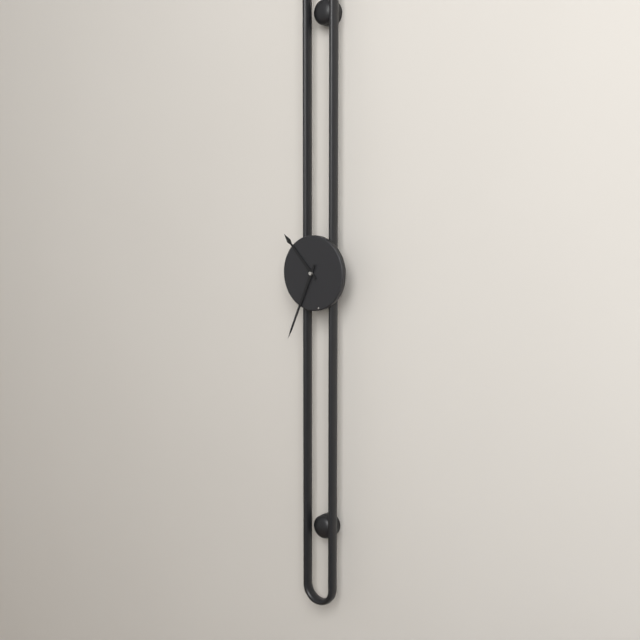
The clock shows 10 h 34 min
